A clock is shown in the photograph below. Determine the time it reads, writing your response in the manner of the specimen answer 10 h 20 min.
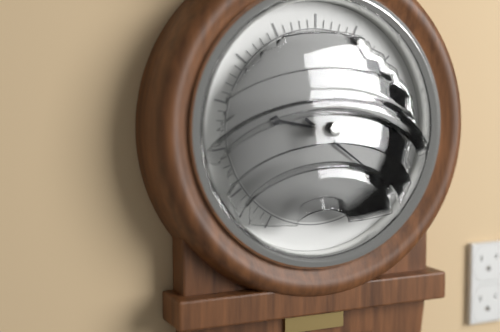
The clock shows 9 h 21 min
